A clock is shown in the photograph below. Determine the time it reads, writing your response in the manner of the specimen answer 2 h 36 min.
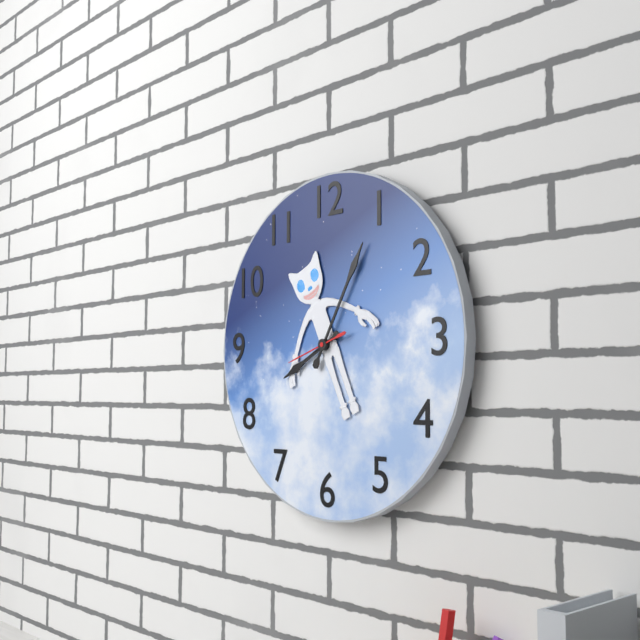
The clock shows 8 h 05 min
